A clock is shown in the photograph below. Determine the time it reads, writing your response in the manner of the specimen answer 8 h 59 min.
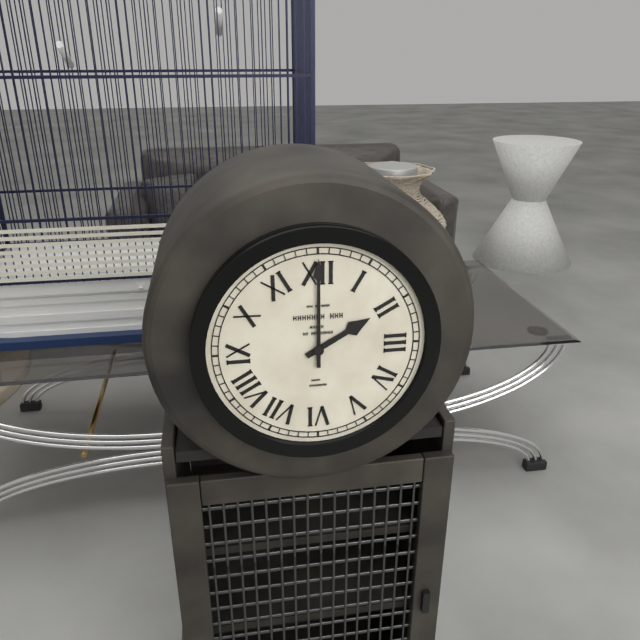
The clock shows 2 h 00 min
